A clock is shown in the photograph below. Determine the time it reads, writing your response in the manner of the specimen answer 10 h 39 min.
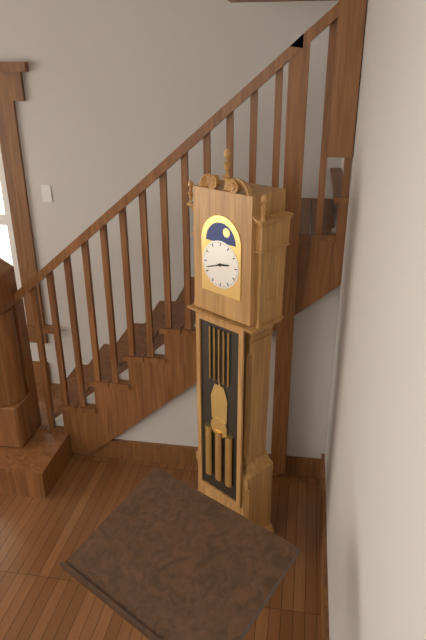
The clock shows 2 h 42 min
